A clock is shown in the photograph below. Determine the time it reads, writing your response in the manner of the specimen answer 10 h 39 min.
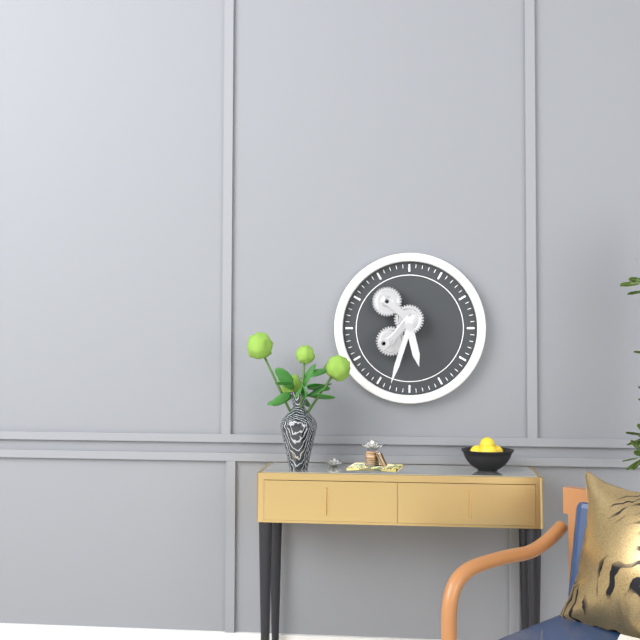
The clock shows 5 h 33 min
